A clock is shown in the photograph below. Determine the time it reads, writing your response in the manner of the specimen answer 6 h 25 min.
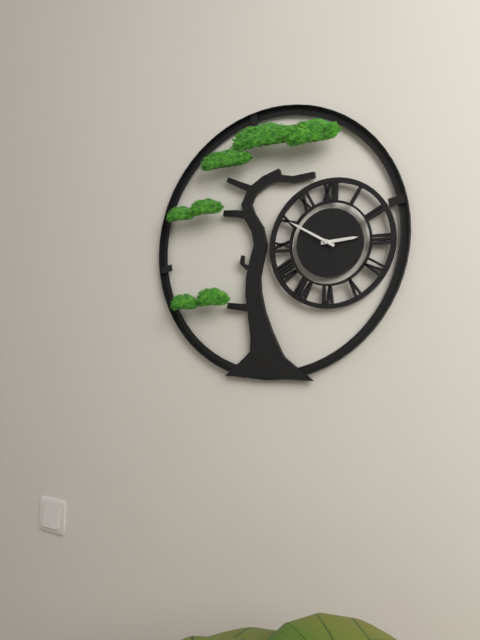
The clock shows 2 h 50 min
